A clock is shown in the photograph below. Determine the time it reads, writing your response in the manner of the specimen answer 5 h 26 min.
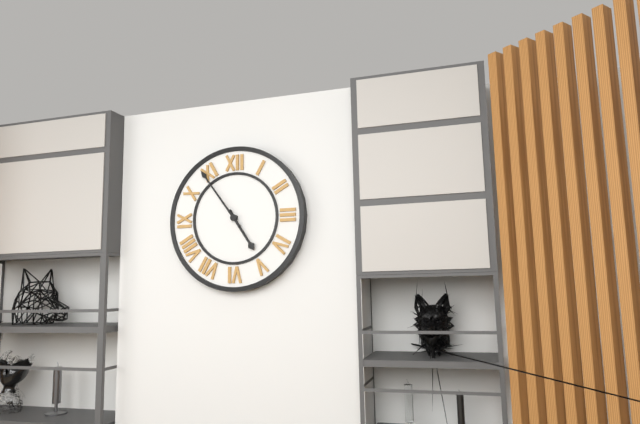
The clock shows 4 h 54 min
